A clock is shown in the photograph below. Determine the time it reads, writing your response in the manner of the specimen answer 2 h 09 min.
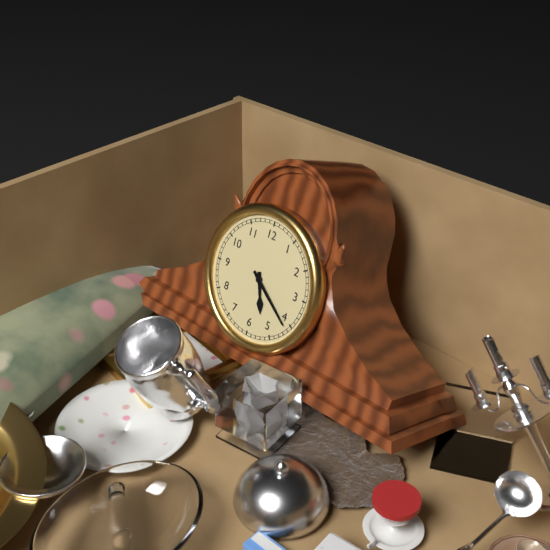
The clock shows 5 h 21 min
